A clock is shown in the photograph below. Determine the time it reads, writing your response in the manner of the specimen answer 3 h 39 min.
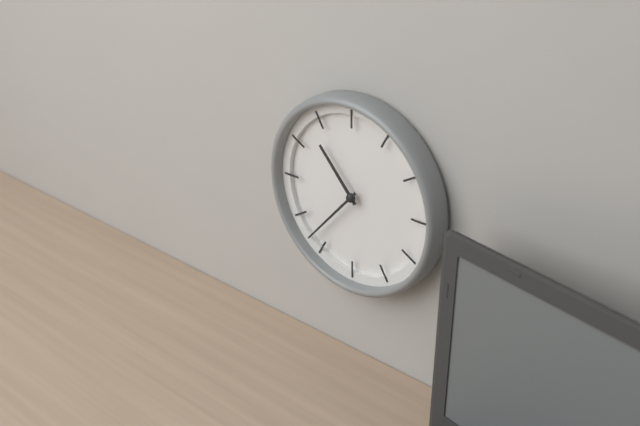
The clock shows 10 h 37 min
